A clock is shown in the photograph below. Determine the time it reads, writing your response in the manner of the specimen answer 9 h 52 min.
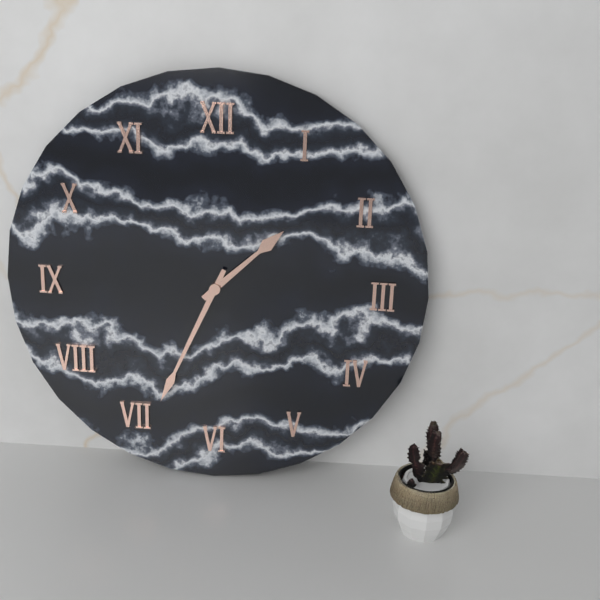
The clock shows 1 h 34 min
